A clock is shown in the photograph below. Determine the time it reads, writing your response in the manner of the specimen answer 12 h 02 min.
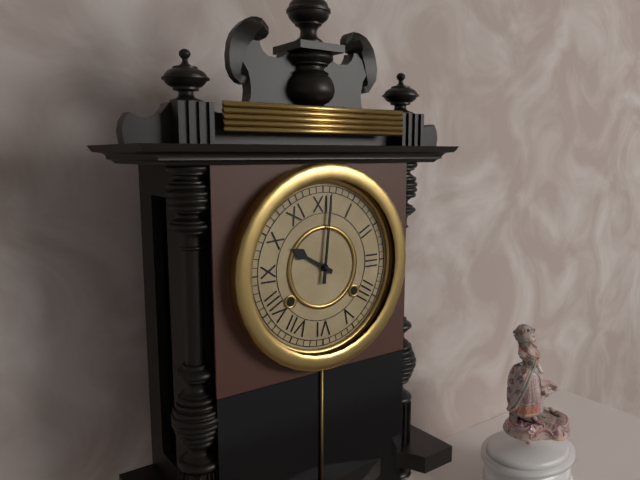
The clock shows 10 h 01 min
